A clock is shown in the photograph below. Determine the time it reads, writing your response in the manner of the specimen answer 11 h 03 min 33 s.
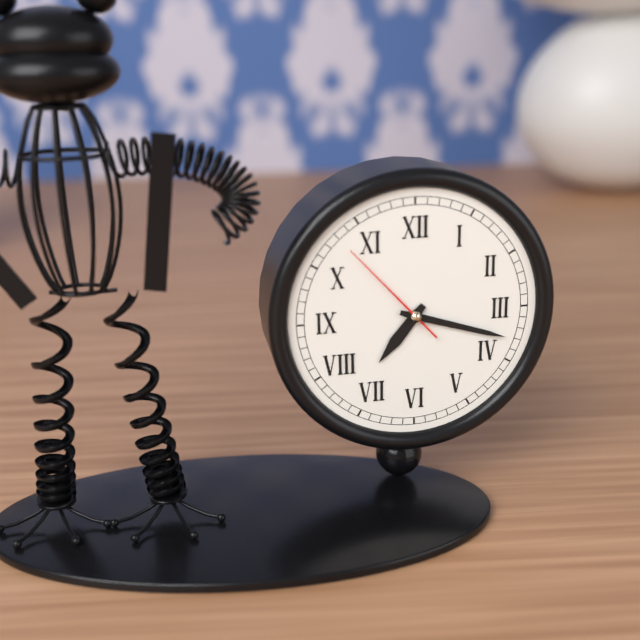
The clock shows 7 h 18 min 53 s
